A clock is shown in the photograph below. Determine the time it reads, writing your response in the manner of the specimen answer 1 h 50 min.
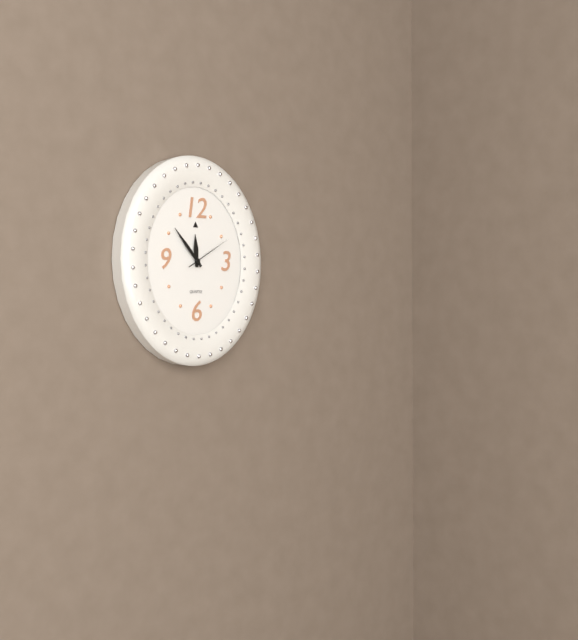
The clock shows 11 h 53 min
